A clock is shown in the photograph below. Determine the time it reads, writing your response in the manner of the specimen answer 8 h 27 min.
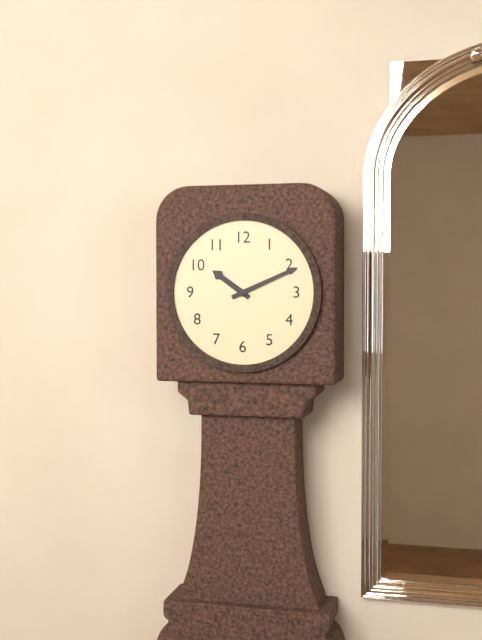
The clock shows 10 h 11 min
